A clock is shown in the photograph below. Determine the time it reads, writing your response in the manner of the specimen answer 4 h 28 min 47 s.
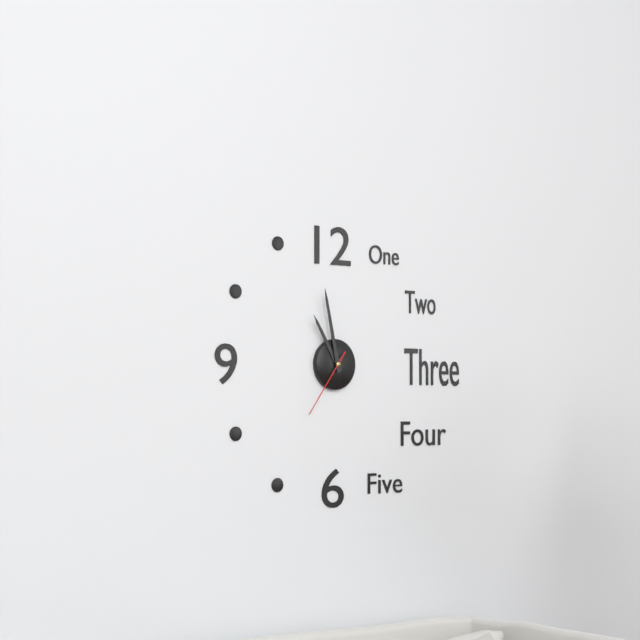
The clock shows 10 h 58 min 36 s
